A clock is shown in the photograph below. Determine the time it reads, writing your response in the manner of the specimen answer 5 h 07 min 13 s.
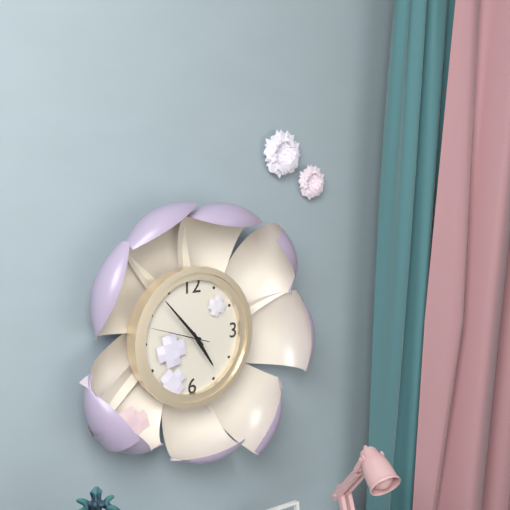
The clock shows 4 h 53 min 48 s
